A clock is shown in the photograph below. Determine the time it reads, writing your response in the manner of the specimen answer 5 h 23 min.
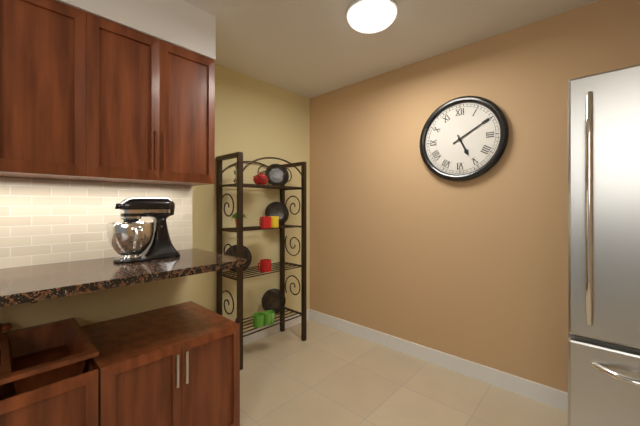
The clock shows 5 h 10 min
